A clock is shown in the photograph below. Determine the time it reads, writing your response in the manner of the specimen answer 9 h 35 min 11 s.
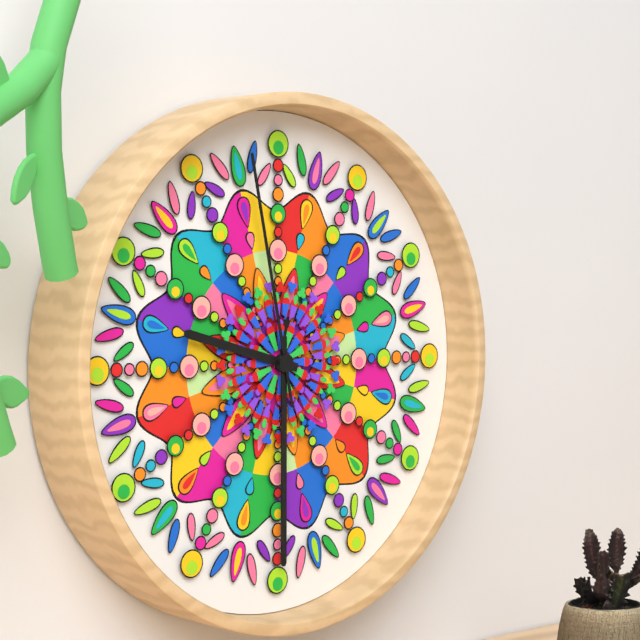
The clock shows 9 h 30 min 58 s
